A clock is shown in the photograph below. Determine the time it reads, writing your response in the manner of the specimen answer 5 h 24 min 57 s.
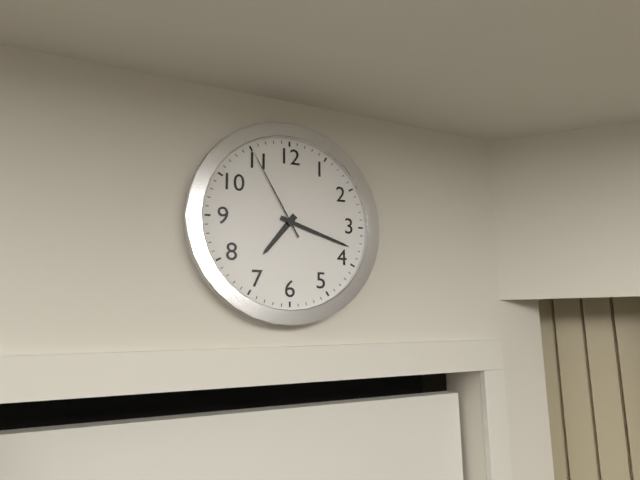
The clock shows 7 h 18 min 55 s
